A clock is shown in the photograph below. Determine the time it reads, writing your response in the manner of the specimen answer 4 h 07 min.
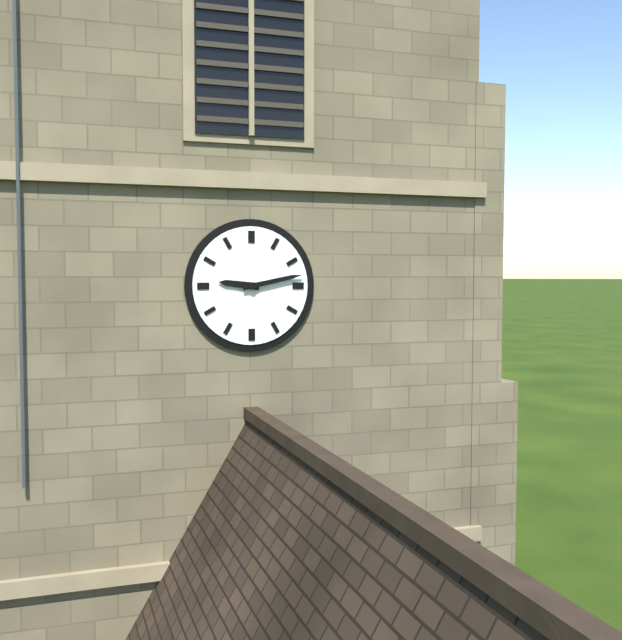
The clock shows 9 h 13 min
